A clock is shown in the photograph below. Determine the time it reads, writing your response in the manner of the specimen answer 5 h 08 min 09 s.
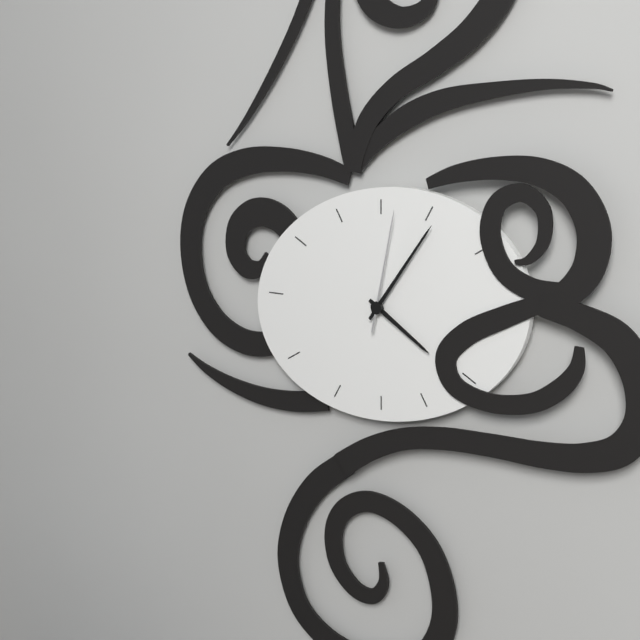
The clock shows 4 h 06 min 02 s
